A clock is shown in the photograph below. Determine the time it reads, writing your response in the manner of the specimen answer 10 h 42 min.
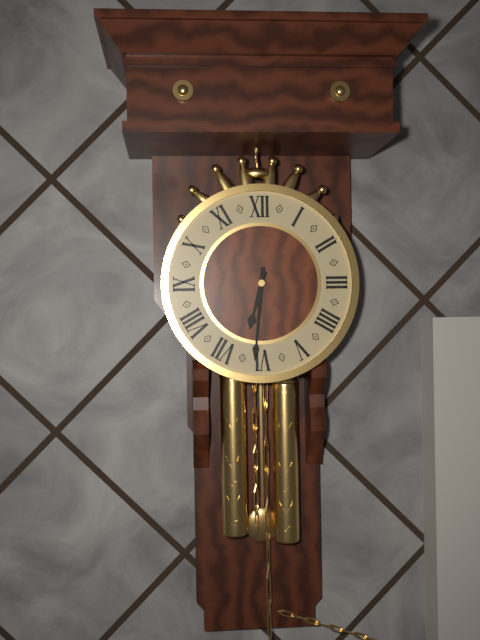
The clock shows 6 h 31 min
